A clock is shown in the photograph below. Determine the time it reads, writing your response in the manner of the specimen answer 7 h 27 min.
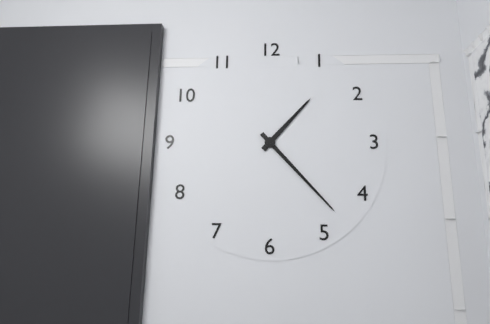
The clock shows 1 h 23 min
